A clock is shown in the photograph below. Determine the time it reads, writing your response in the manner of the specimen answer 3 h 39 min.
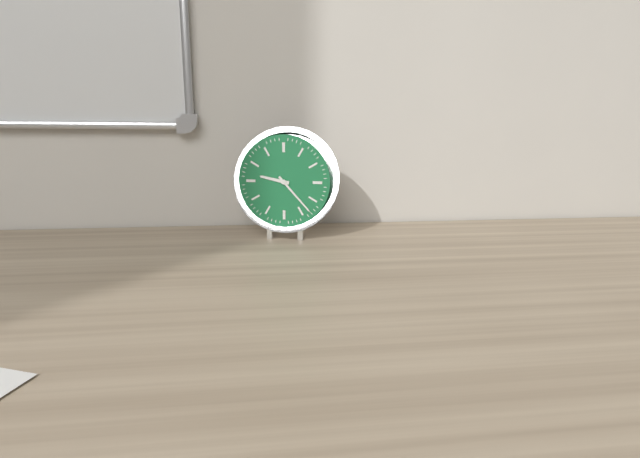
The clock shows 9 h 23 min
